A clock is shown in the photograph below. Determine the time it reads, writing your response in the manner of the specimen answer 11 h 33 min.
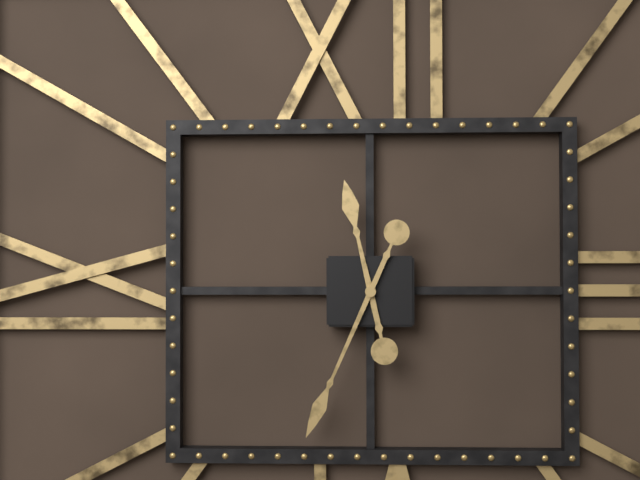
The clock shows 11 h 34 min
